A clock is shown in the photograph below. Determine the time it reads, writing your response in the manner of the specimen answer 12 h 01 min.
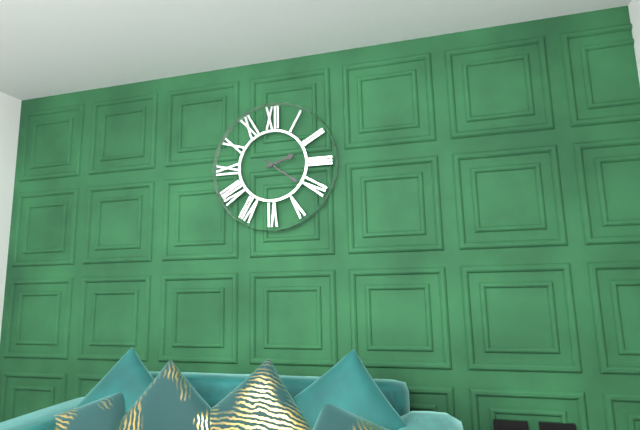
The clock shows 2 h 21 min
